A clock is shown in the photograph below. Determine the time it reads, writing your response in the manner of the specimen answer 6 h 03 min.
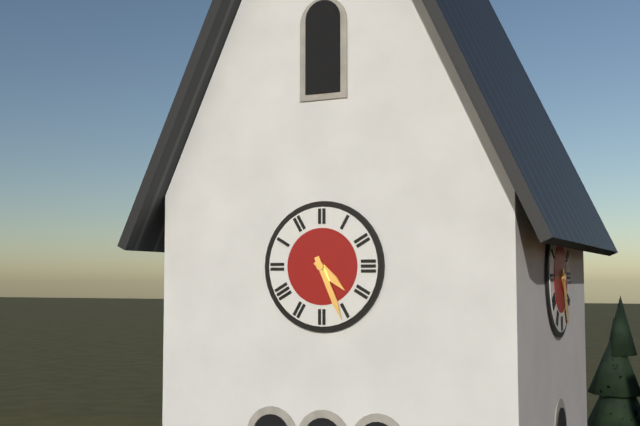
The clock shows 4 h 26 min
